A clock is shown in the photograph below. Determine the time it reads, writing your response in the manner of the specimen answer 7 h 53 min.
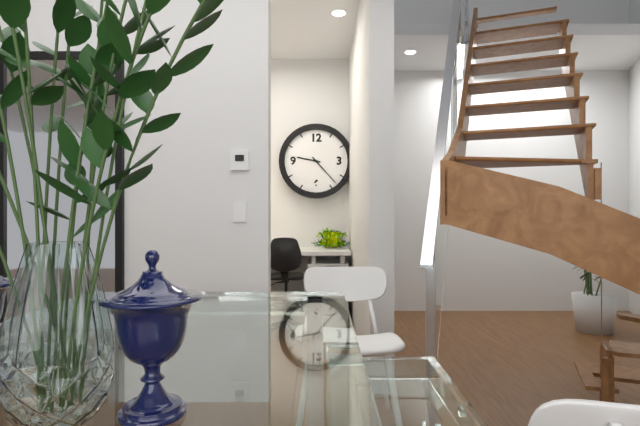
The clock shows 9 h 23 min
